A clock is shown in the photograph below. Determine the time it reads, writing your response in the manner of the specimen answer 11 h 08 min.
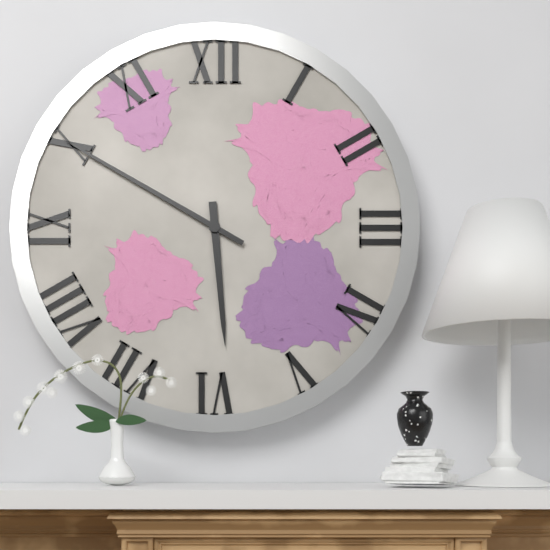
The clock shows 5 h 50 min
